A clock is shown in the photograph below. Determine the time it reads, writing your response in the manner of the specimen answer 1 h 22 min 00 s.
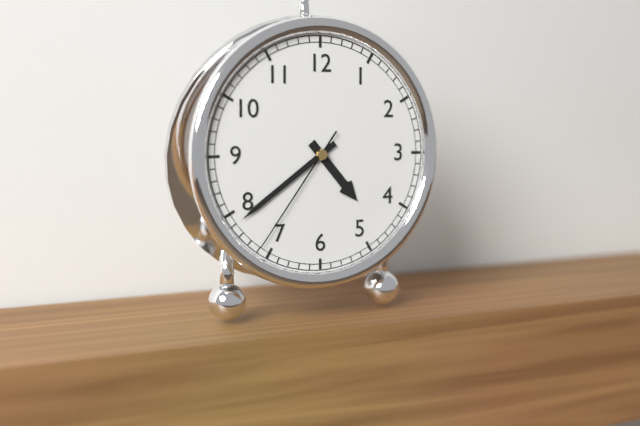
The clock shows 4 h 39 min 36 s
